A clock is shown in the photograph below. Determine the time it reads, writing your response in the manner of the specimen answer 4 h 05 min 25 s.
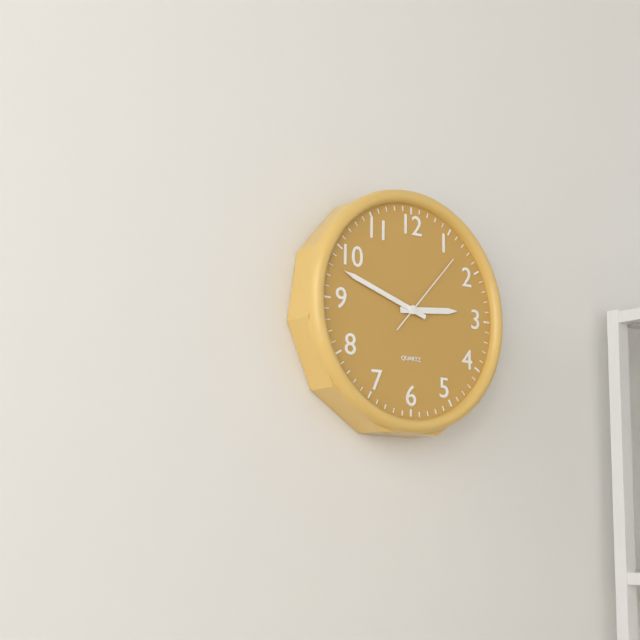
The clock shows 2 h 48 min 07 s
